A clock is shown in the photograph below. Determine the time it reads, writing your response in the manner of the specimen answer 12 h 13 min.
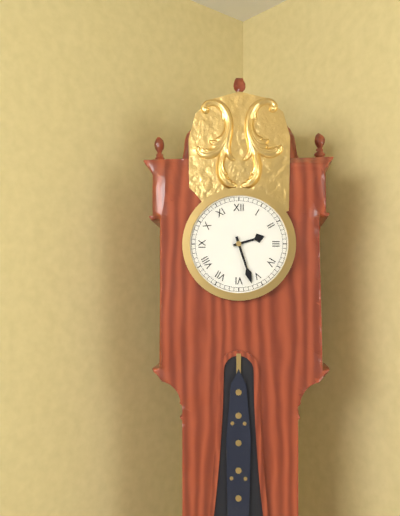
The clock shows 2 h 27 min
